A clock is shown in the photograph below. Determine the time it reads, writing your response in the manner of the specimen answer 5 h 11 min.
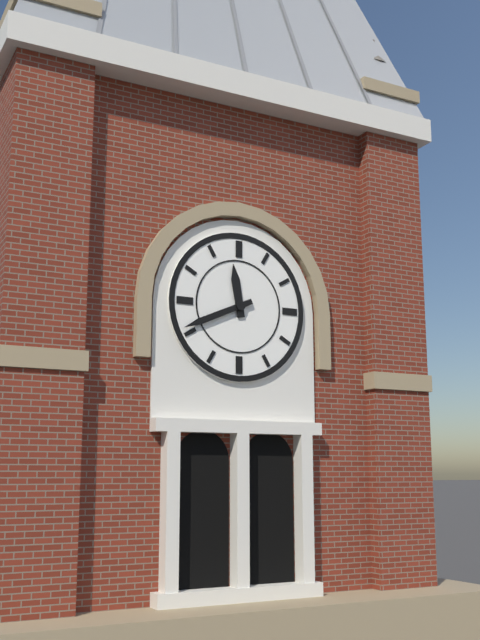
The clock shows 11 h 41 min
